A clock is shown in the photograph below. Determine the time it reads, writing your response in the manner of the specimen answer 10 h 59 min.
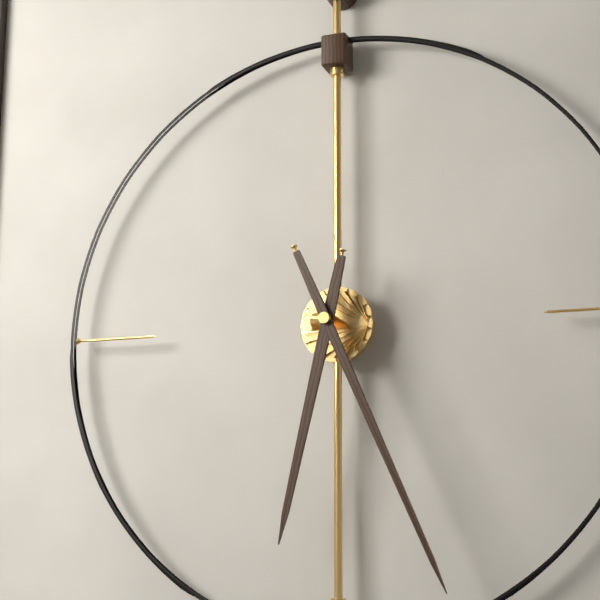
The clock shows 6 h 26 min
